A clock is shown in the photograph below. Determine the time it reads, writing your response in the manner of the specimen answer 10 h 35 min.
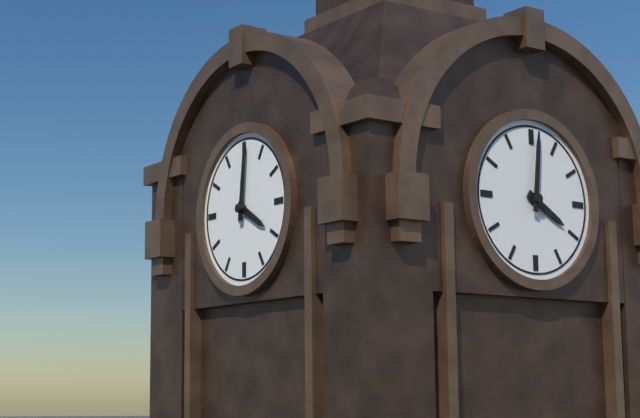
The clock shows 4 h 01 min
